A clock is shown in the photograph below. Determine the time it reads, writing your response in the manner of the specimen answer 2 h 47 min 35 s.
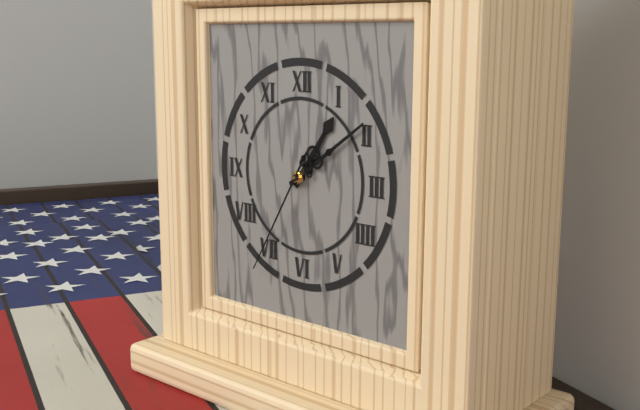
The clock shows 1 h 09 min 35 s
